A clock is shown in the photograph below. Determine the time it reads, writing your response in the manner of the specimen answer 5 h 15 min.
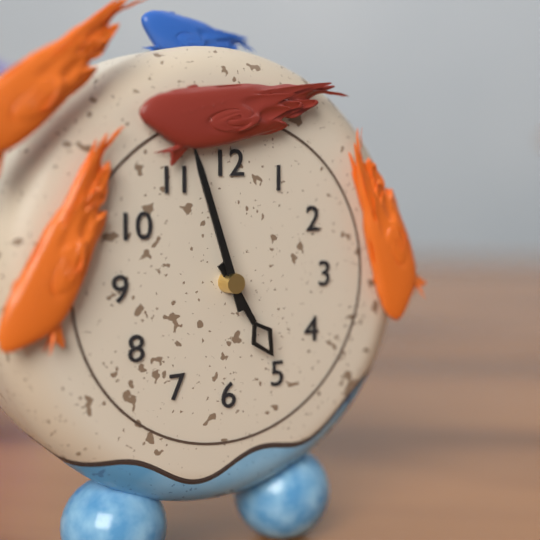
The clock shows 4 h 57 min
